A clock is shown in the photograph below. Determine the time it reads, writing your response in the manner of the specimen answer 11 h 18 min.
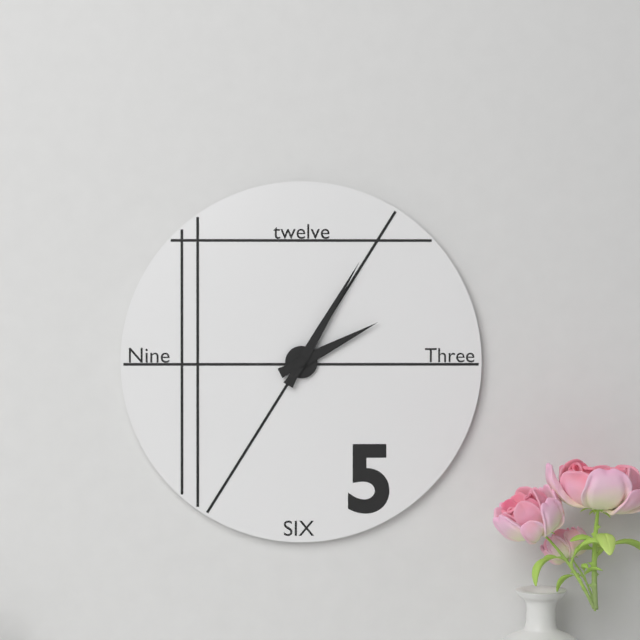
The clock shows 2 h 05 min
